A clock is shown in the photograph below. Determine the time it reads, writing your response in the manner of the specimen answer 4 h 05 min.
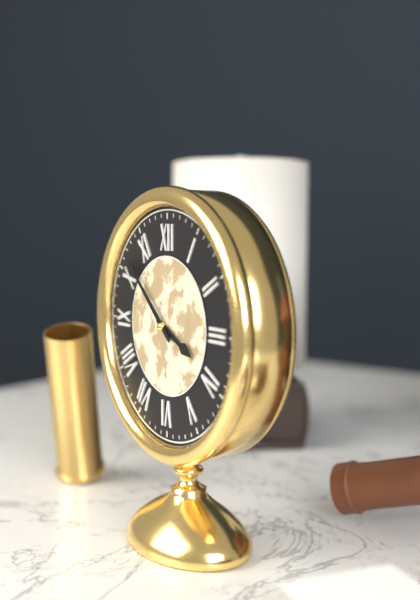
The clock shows 3 h 52 min
